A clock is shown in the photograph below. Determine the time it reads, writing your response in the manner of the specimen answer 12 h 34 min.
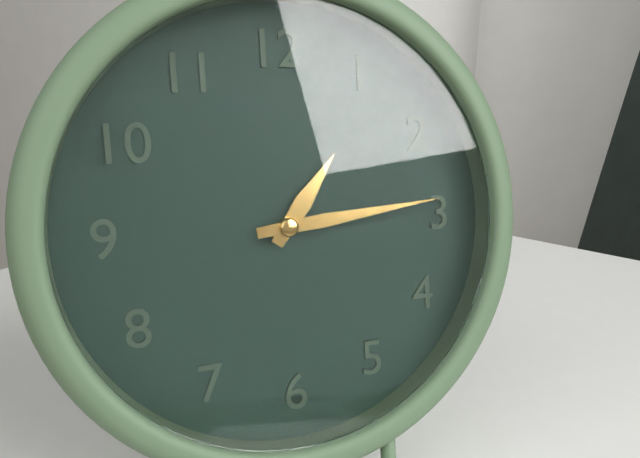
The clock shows 1 h 14 min
